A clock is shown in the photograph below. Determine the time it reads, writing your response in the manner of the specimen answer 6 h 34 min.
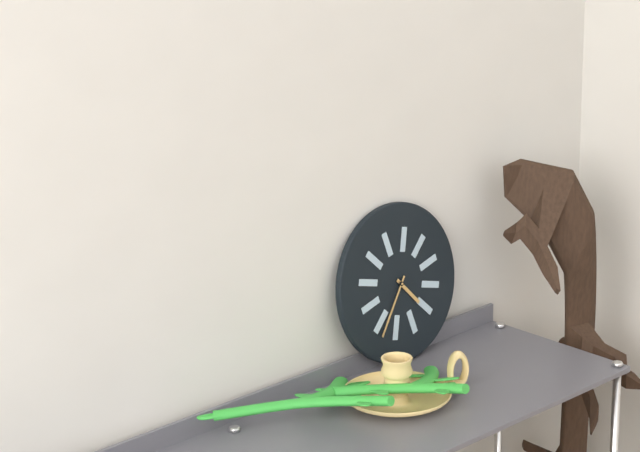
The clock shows 4 h 36 min
